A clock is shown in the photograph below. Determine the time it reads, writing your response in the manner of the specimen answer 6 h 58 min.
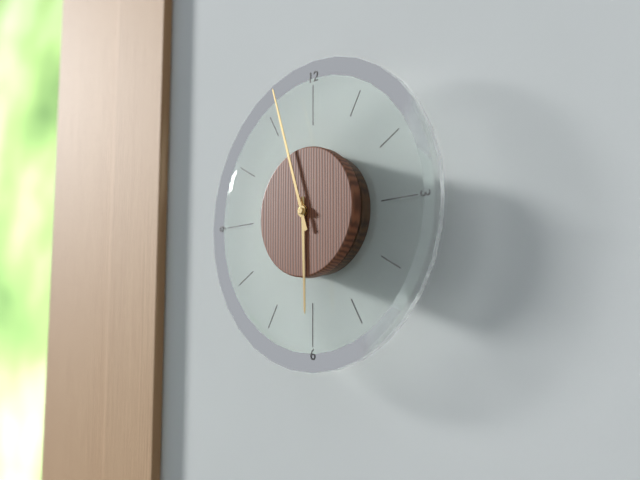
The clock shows 5 h 57 min
